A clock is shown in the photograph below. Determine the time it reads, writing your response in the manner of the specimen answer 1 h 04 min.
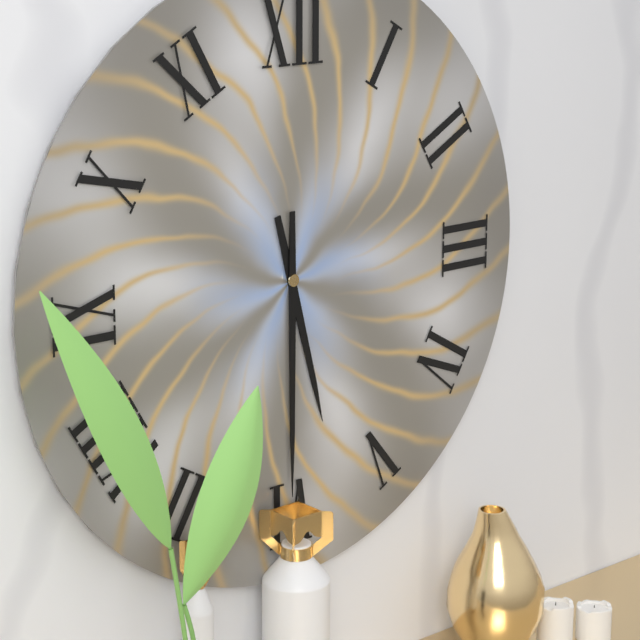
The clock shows 5 h 30 min
